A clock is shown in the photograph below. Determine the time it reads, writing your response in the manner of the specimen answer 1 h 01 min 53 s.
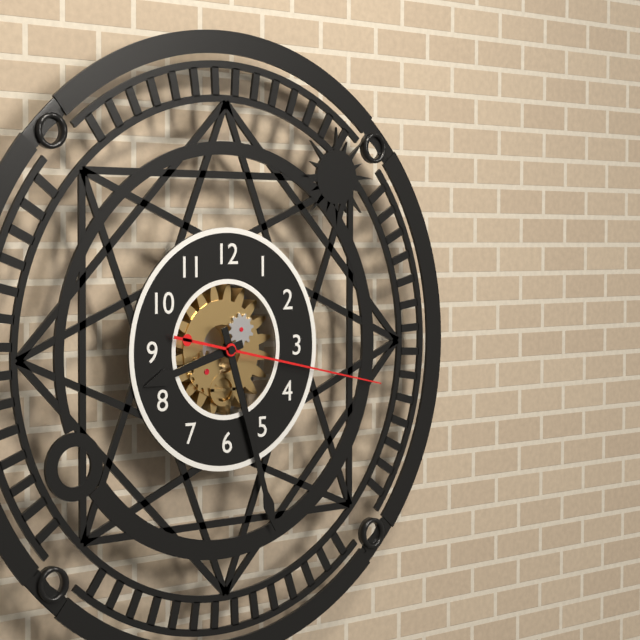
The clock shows 8 h 27 min 17 s
